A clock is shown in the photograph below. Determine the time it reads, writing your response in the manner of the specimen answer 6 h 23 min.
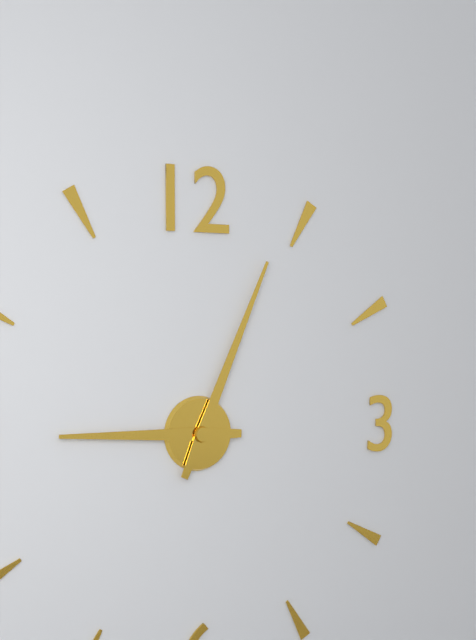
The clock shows 9 h 04 min
